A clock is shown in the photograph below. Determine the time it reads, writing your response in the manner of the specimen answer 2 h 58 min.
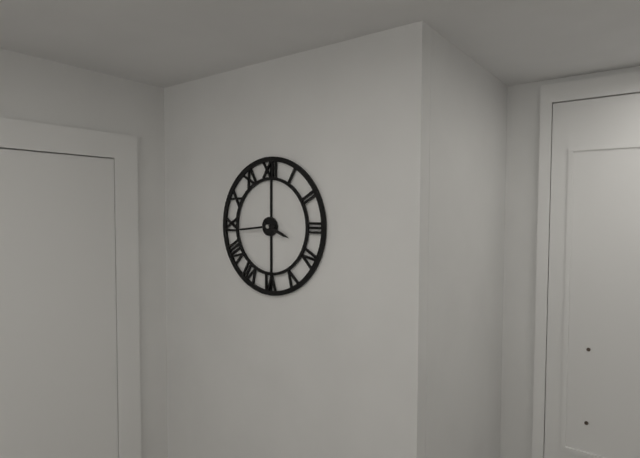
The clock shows 3 h 44 min
